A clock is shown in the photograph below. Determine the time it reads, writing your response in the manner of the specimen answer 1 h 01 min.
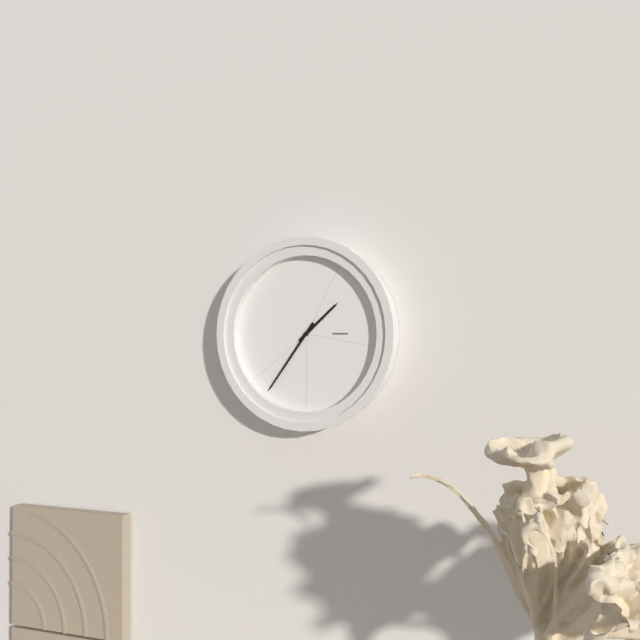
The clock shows 1 h 36 min
